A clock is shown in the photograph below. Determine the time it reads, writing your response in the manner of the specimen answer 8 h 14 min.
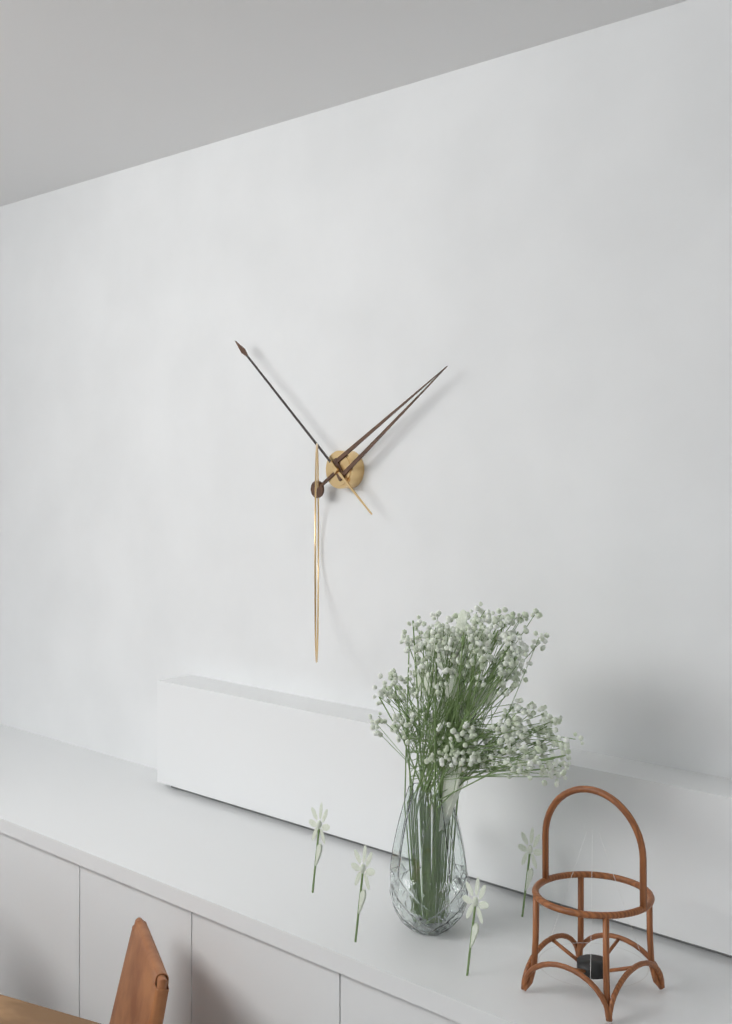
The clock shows 1 h 52 min
